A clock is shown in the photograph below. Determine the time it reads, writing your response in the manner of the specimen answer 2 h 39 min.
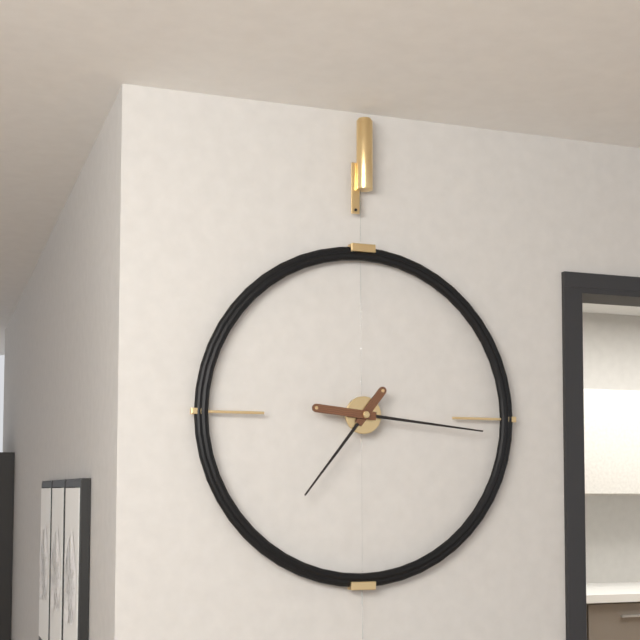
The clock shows 7 h 16 min
